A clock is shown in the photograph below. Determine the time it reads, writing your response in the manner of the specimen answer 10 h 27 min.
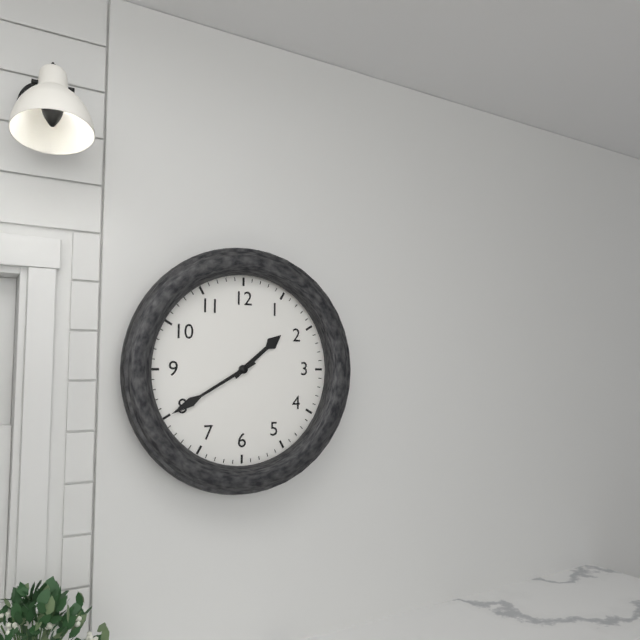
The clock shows 1 h 40 min
